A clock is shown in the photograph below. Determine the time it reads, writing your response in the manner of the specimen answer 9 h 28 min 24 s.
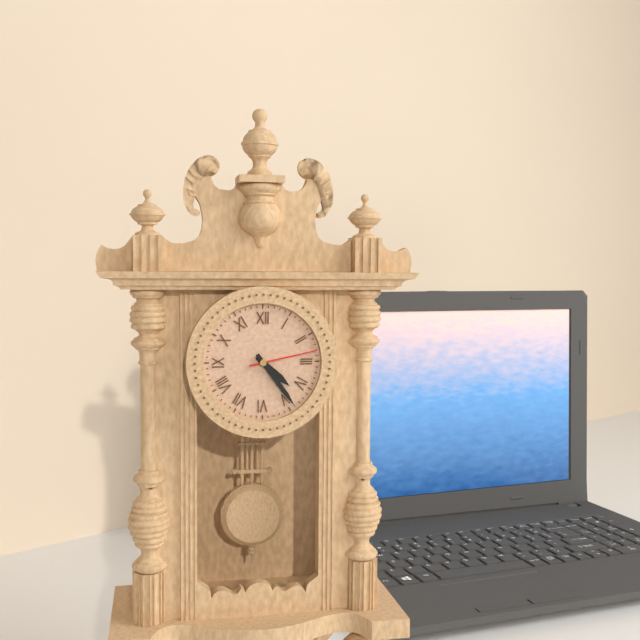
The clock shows 4 h 24 min 13 s
